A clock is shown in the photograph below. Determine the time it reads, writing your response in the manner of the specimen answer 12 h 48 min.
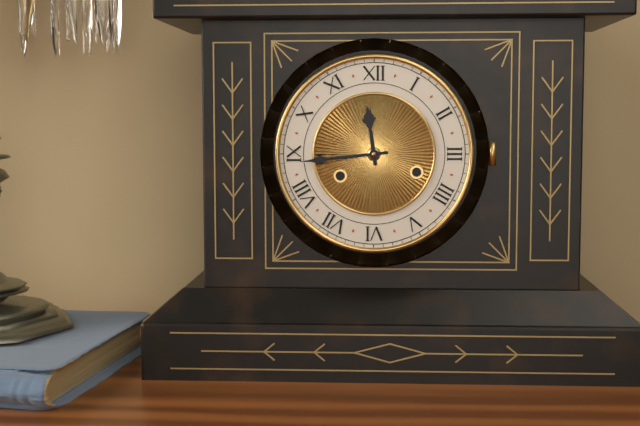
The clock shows 11 h 44 min
